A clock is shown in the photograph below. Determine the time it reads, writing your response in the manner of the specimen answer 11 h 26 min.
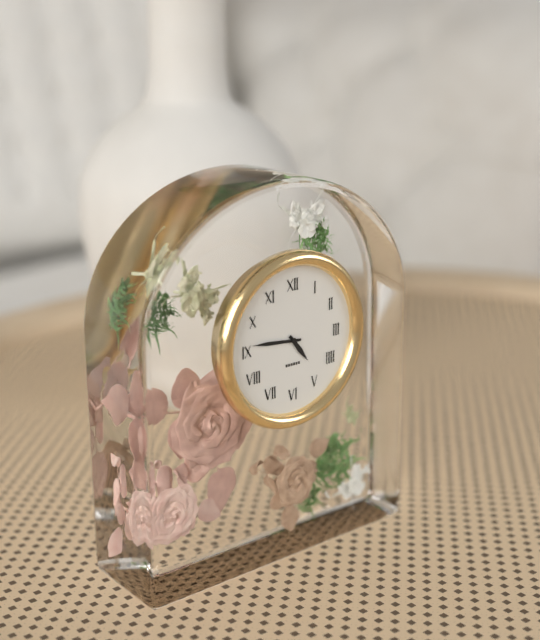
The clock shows 4 h 46 min
